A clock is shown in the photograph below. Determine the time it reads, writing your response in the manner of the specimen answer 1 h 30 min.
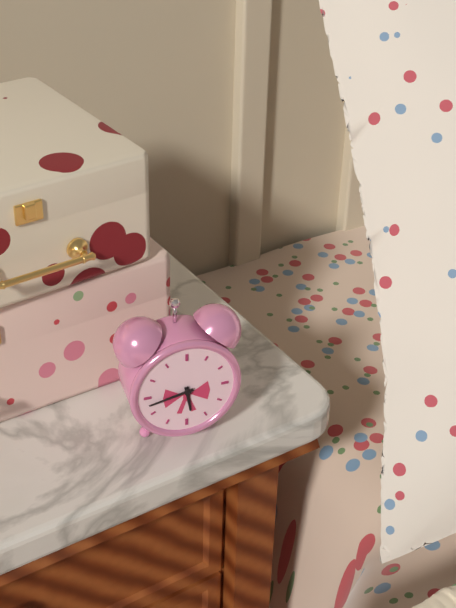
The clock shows 5 h 43 min
